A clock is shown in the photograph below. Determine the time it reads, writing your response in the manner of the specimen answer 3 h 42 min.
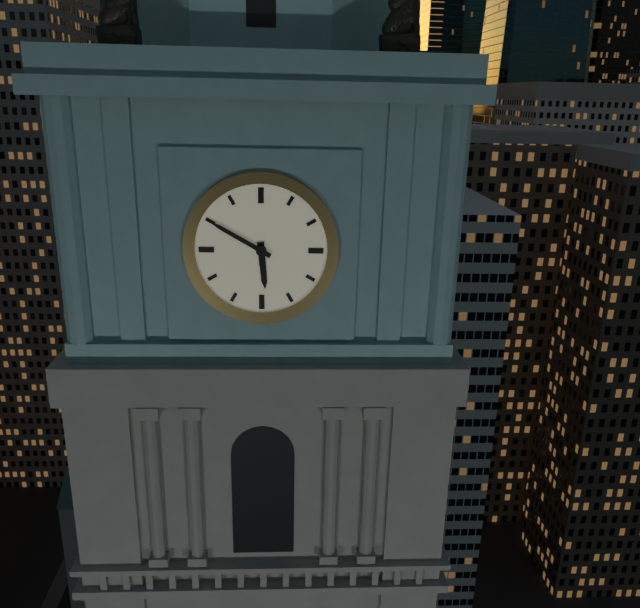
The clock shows 5 h 50 min
